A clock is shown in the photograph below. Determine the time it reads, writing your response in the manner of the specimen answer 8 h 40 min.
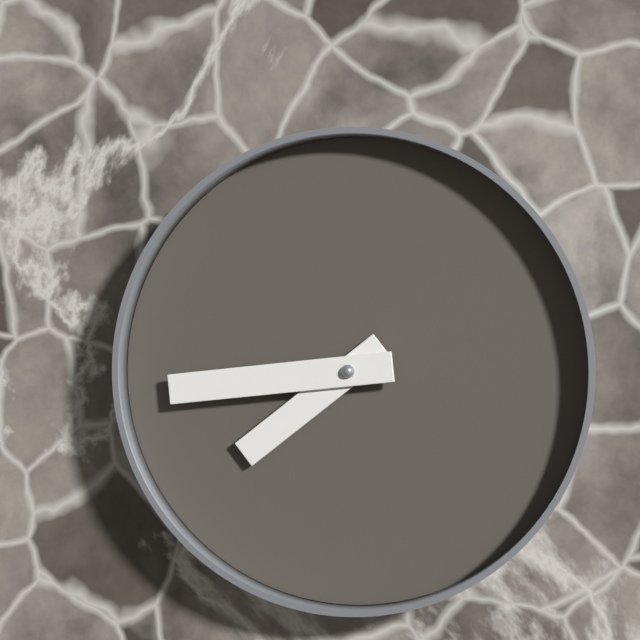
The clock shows 7 h 44 min
